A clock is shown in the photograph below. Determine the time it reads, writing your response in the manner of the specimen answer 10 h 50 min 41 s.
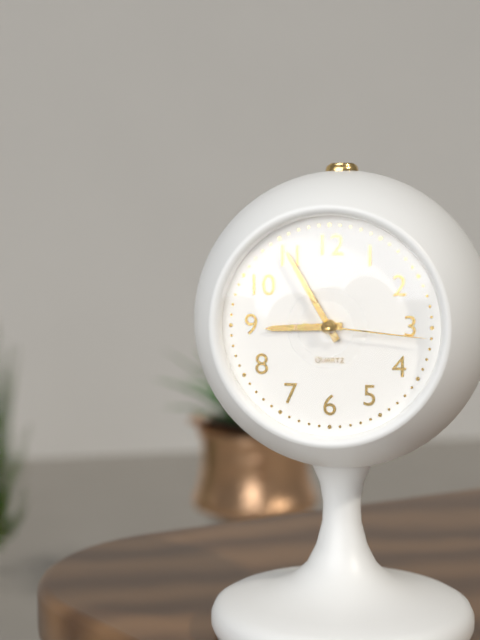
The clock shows 8 h 55 min 16 s
